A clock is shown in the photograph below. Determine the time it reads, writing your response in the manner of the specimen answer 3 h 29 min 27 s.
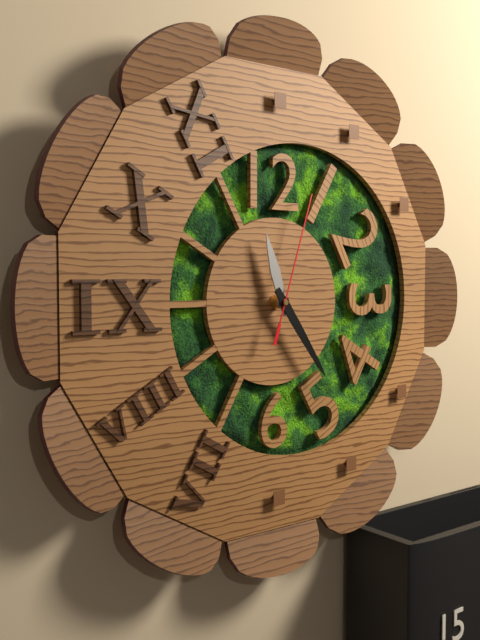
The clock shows 11 h 24 min 03 s
